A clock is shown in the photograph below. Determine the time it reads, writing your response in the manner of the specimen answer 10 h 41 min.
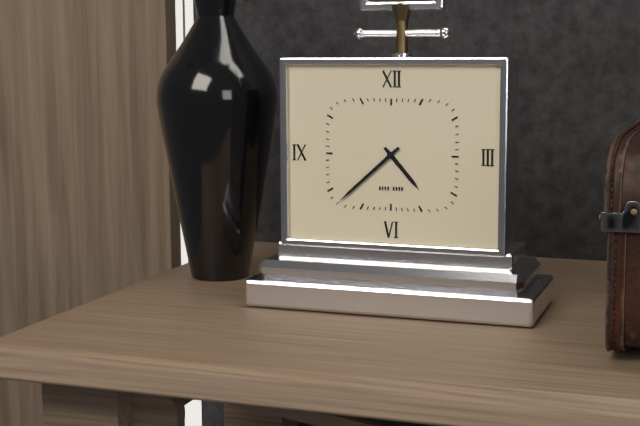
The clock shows 4 h 38 min
